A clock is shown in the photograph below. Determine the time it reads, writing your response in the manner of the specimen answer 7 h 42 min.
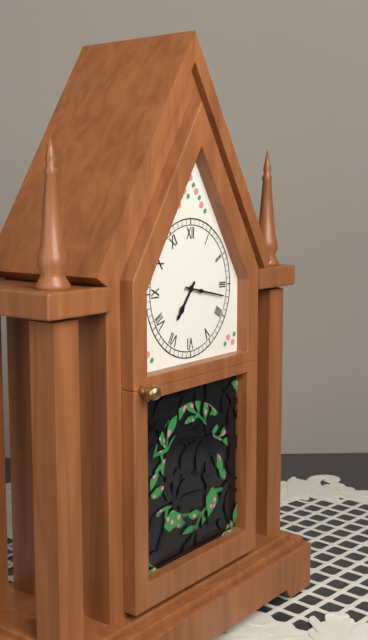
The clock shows 7 h 17 min
